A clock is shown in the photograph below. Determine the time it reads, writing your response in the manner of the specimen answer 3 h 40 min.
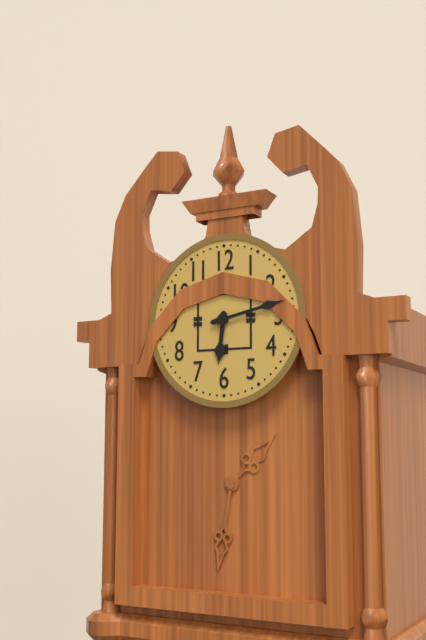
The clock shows 6 h 13 min
